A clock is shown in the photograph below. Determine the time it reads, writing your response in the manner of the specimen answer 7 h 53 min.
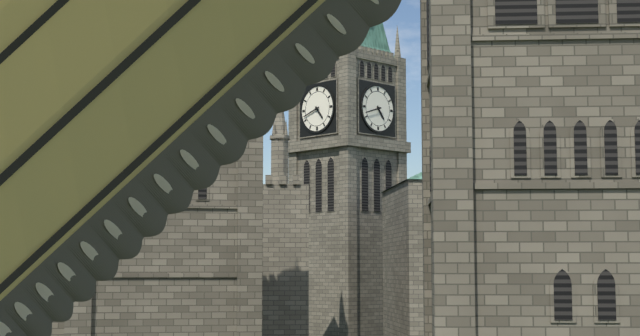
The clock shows 4 h 42 min
